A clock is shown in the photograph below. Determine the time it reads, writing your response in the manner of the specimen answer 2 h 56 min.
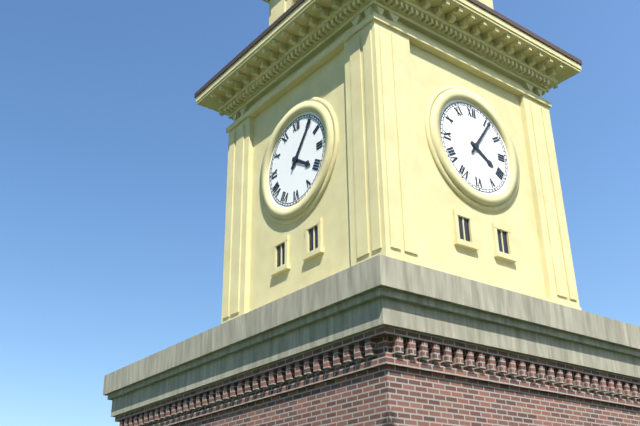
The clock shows 4 h 06 min
